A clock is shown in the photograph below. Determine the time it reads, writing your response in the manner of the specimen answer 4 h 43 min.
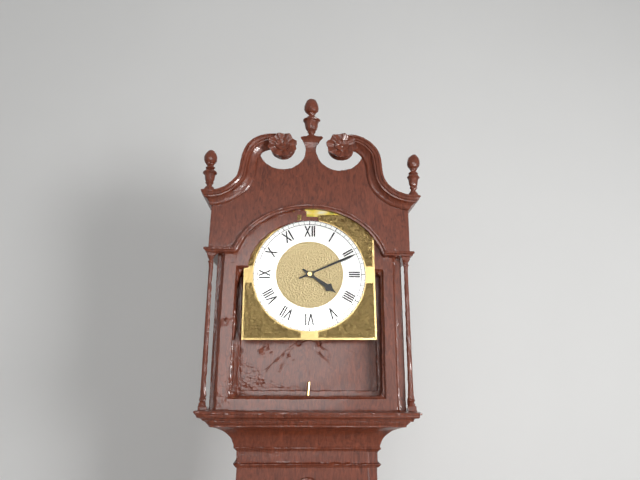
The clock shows 4 h 11 min
